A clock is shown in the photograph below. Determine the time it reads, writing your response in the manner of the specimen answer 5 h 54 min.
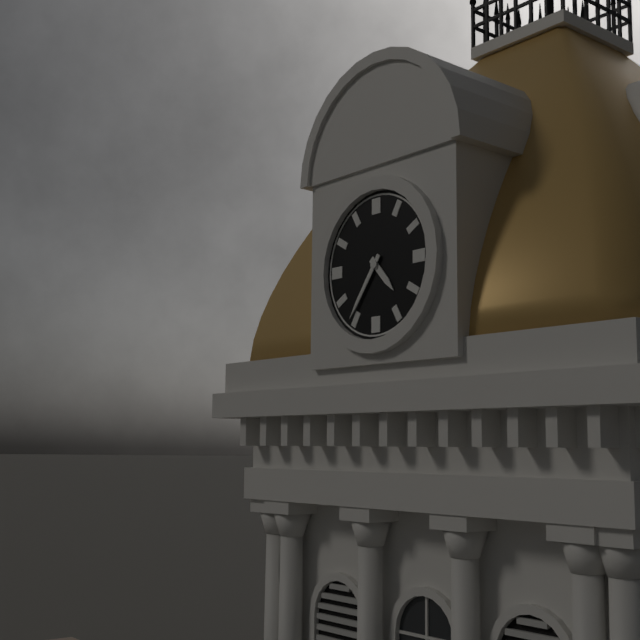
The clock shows 4 h 36 min
